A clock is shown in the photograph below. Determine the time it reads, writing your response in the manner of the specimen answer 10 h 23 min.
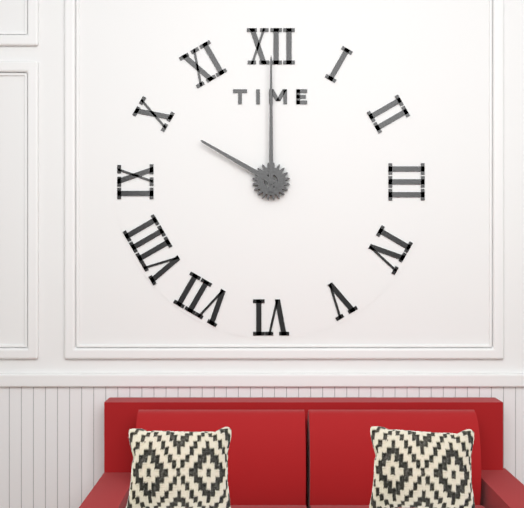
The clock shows 10 h 00 min
